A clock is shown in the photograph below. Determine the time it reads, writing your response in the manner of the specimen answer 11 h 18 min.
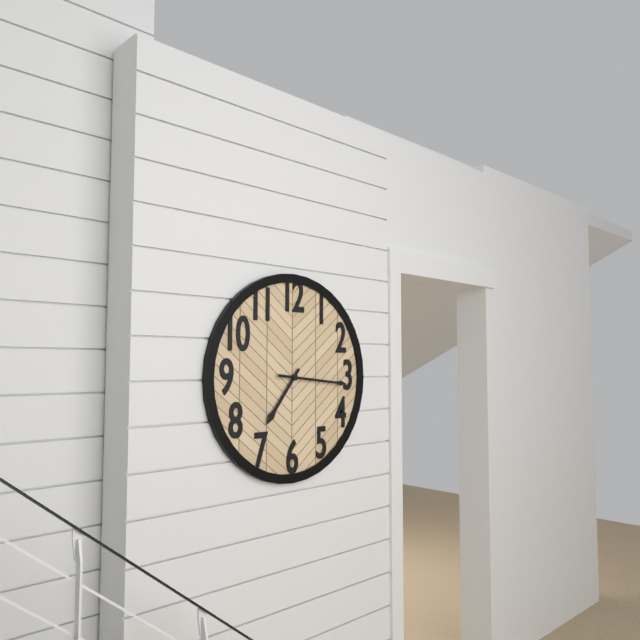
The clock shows 7 h 16 min
